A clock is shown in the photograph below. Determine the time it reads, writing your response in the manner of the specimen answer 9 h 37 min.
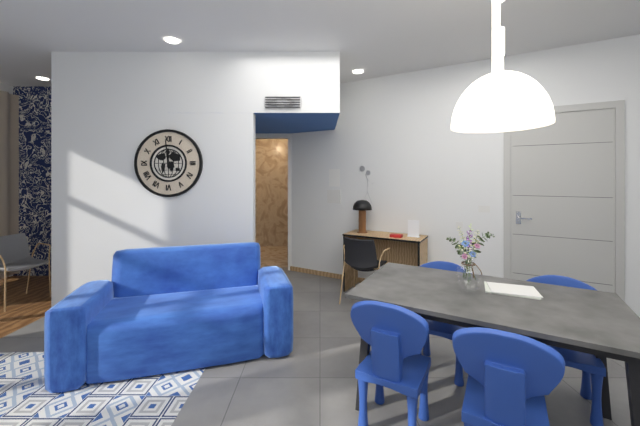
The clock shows 11 h 59 min
